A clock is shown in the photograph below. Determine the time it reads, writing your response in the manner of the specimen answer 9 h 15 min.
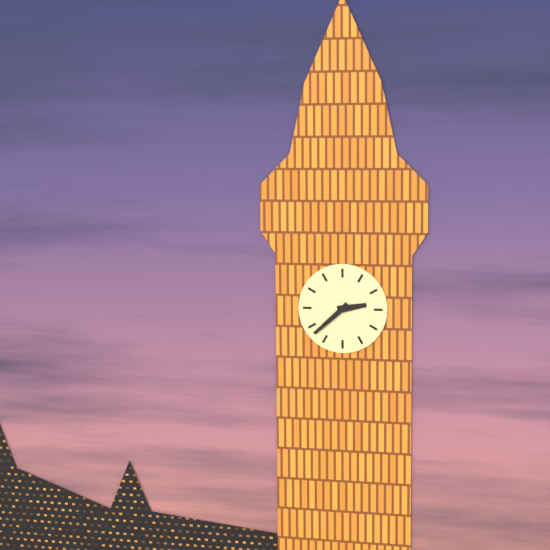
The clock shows 2 h 38 min
